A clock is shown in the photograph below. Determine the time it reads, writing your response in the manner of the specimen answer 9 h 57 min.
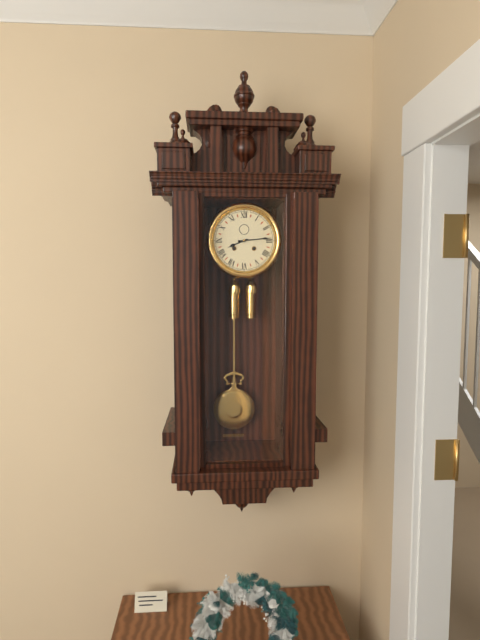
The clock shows 8 h 14 min
